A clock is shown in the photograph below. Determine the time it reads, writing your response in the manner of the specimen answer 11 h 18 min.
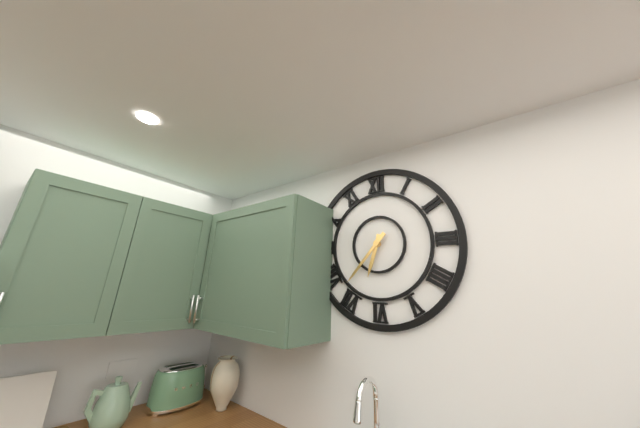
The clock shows 6 h 37 min
